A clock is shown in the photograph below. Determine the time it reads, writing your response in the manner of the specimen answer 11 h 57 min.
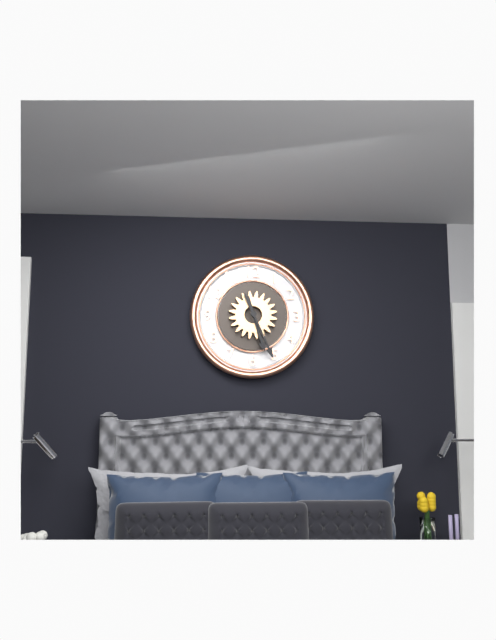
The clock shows 5 h 26 min
